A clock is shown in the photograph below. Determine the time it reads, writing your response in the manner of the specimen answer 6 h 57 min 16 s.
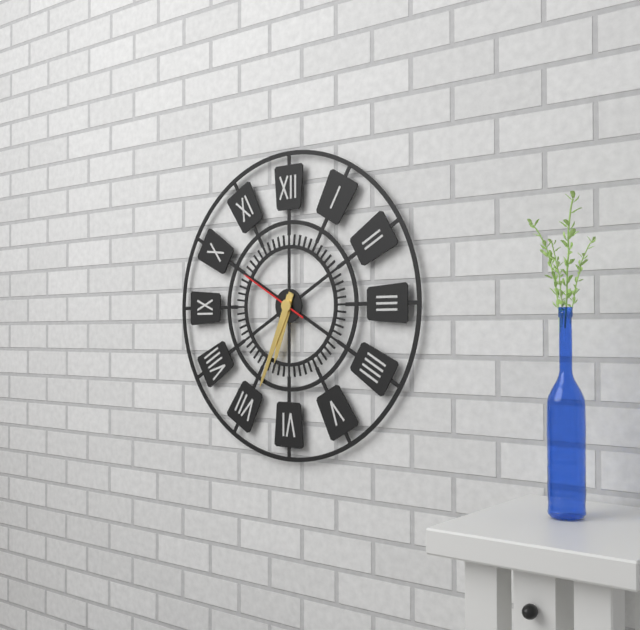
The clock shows 6 h 34 min 50 s
